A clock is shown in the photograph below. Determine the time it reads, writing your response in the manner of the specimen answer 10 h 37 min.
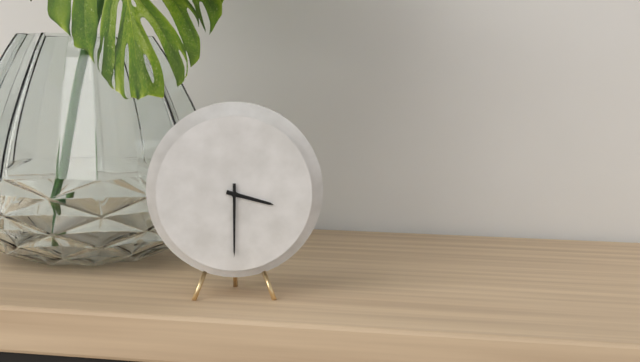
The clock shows 3 h 30 min
